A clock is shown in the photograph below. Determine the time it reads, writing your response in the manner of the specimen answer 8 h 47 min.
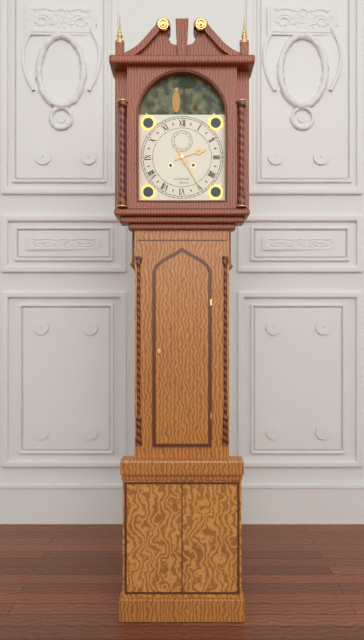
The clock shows 2 h 25 min
